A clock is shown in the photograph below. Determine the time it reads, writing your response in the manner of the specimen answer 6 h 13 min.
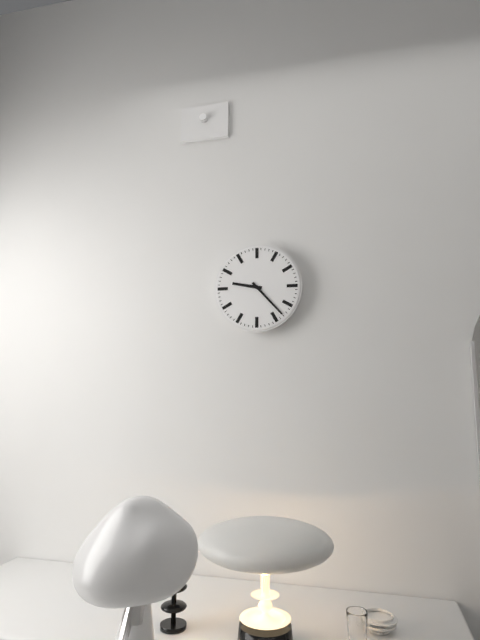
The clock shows 9 h 23 min
